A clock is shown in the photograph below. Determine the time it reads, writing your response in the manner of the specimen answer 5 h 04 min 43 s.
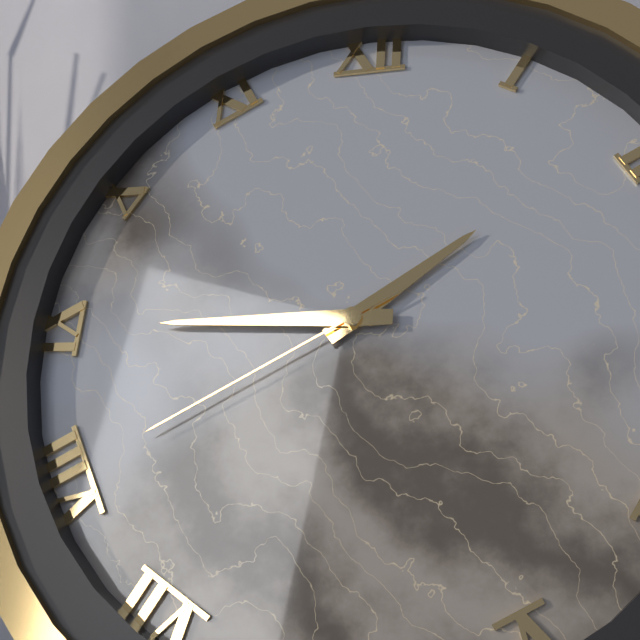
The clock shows 1 h 45 min 40 s
